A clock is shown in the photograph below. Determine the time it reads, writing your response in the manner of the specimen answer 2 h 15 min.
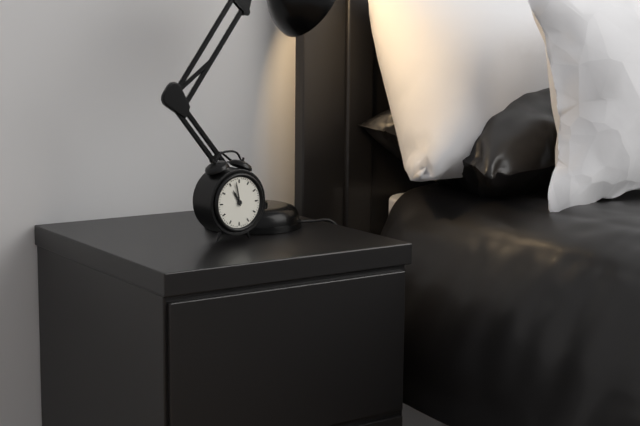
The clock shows 10 h 58 min
